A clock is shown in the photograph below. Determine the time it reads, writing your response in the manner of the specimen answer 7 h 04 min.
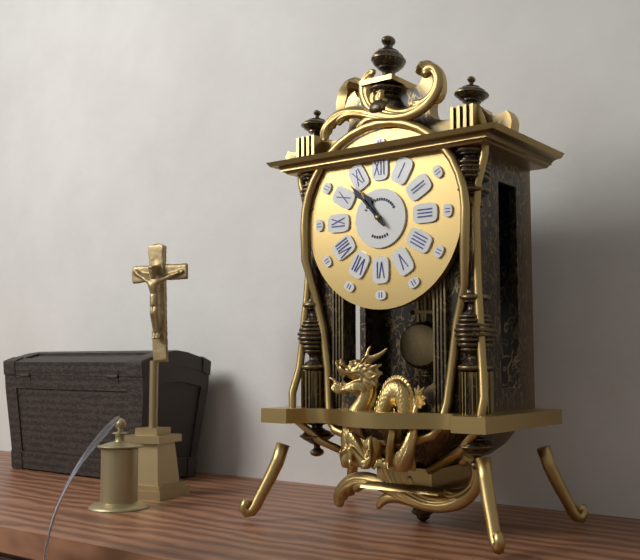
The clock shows 10 h 53 min
